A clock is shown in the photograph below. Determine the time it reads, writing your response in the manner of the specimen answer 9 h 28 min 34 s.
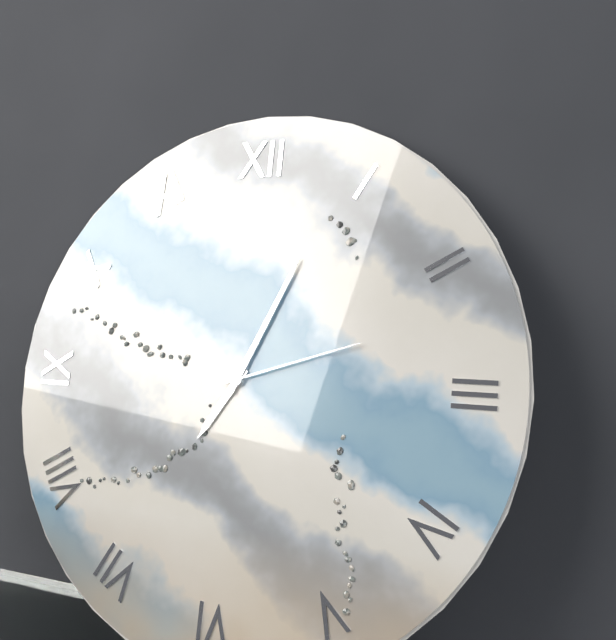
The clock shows 7 h 04 min 12 s
